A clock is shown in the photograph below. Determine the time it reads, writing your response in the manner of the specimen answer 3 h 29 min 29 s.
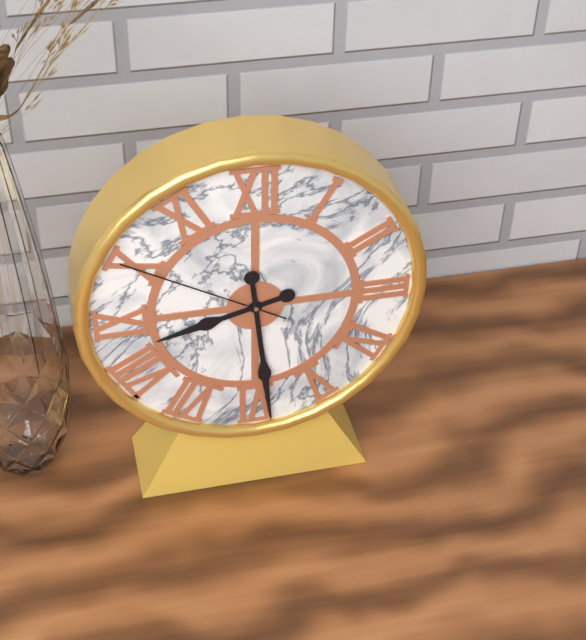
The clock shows 8 h 29 min 50 s
